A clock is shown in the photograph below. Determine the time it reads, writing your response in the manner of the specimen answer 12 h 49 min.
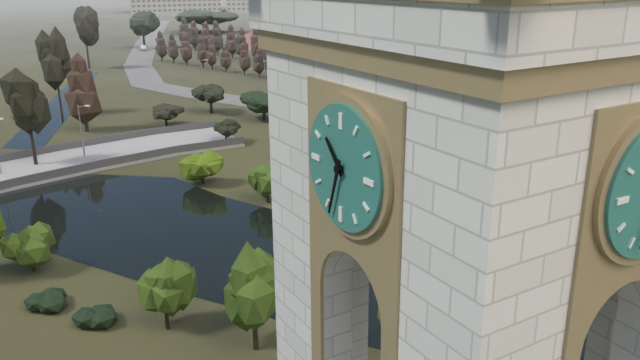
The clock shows 10 h 33 min
